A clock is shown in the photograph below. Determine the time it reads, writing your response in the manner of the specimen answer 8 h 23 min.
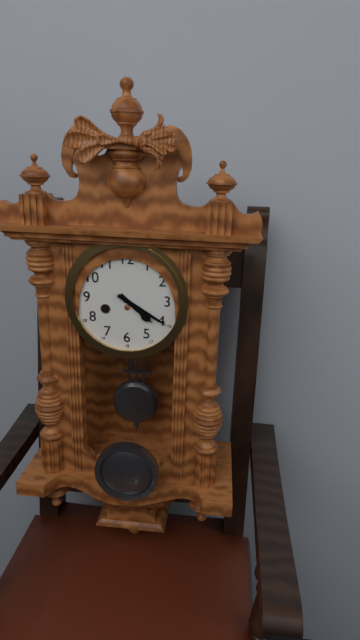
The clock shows 4 h 20 min
